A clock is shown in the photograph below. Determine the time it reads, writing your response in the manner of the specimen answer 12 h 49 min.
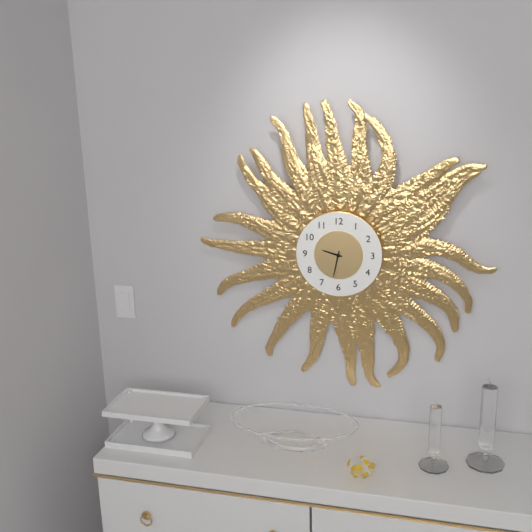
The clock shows 9 h 32 min
